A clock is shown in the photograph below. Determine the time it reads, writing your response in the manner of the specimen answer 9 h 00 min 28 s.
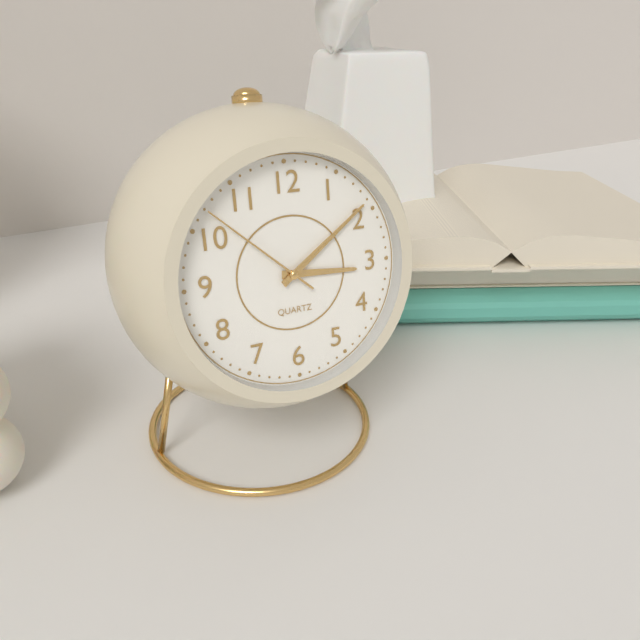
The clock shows 3 h 09 min 52 s
